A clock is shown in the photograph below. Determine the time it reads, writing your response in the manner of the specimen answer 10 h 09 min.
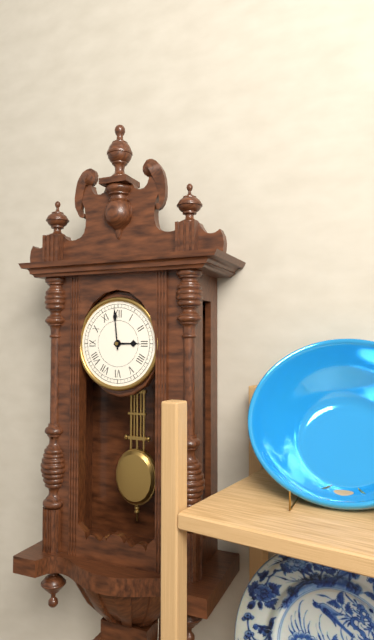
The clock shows 2 h 59 min
